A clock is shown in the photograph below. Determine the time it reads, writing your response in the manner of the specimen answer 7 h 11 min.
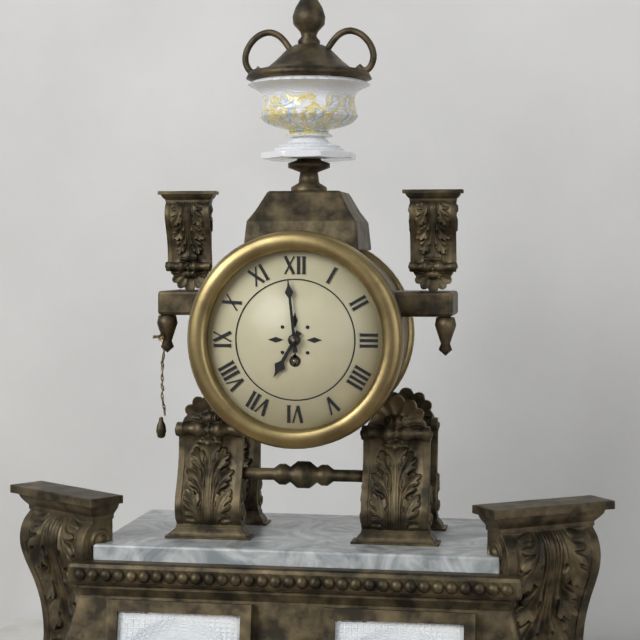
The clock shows 6 h 59 min
